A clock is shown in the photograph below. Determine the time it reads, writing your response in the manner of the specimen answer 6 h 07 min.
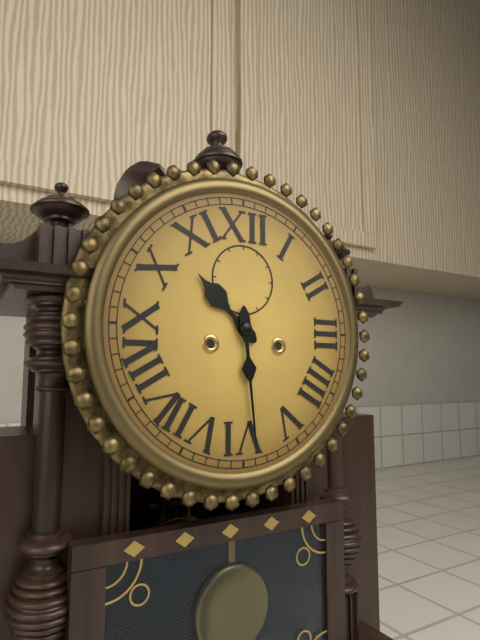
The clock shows 10 h 29 min
